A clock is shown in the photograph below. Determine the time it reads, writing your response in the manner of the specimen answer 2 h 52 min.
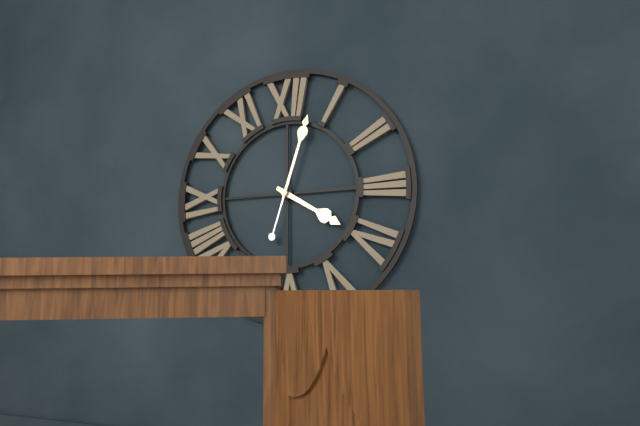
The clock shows 4 h 03 min
